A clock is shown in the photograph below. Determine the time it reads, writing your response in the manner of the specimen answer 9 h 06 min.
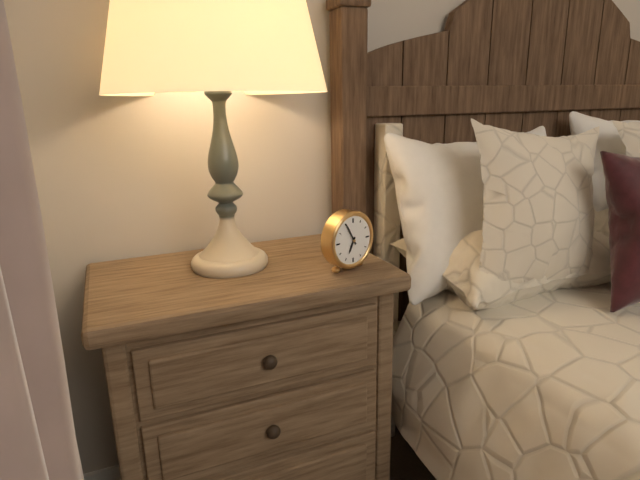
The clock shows 6 h 55 min
